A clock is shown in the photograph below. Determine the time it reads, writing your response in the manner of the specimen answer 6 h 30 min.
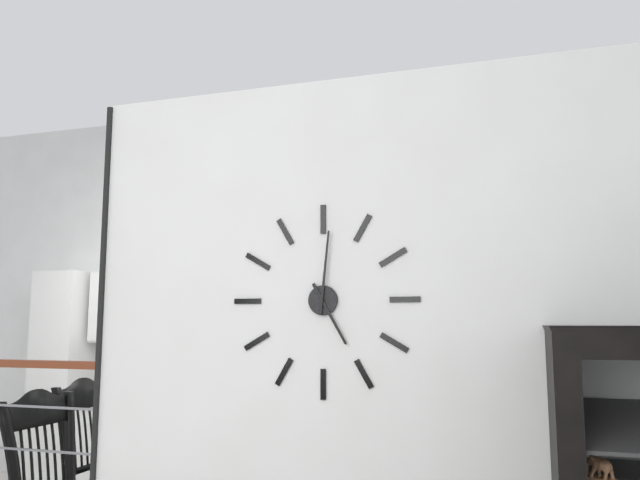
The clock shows 5 h 01 min
